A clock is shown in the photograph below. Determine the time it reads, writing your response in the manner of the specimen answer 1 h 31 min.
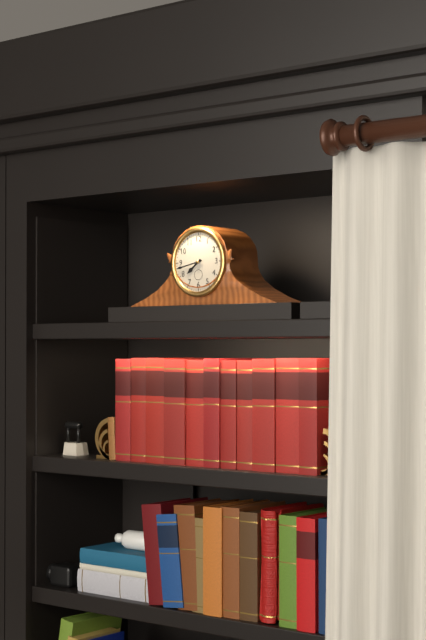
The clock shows 7 h 43 min
